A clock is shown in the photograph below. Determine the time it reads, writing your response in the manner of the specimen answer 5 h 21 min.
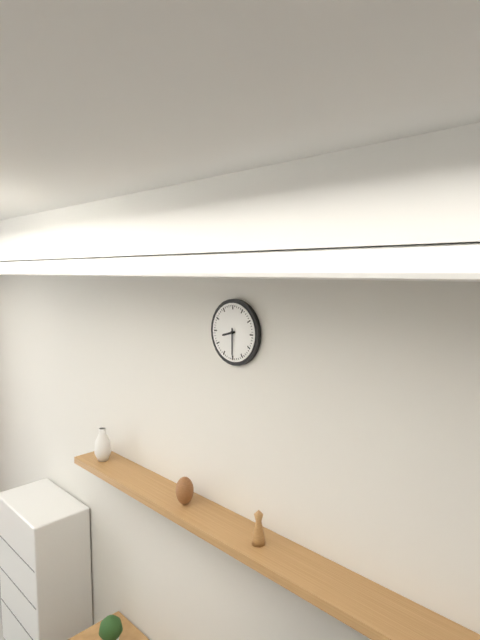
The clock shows 8 h 30 min
